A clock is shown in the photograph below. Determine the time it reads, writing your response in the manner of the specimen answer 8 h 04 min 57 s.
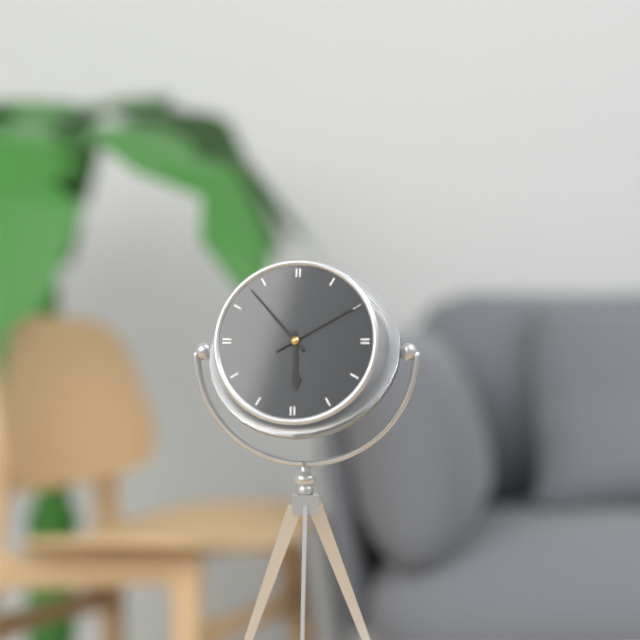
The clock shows 5 h 53 min 10 s
